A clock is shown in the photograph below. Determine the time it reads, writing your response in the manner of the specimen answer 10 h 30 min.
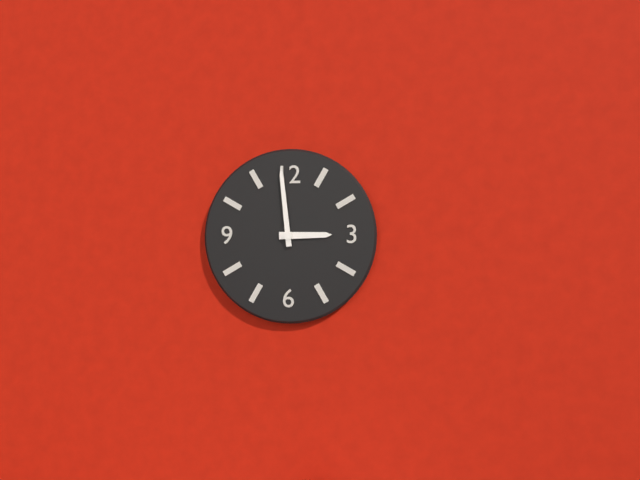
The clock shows 2 h 59 min
